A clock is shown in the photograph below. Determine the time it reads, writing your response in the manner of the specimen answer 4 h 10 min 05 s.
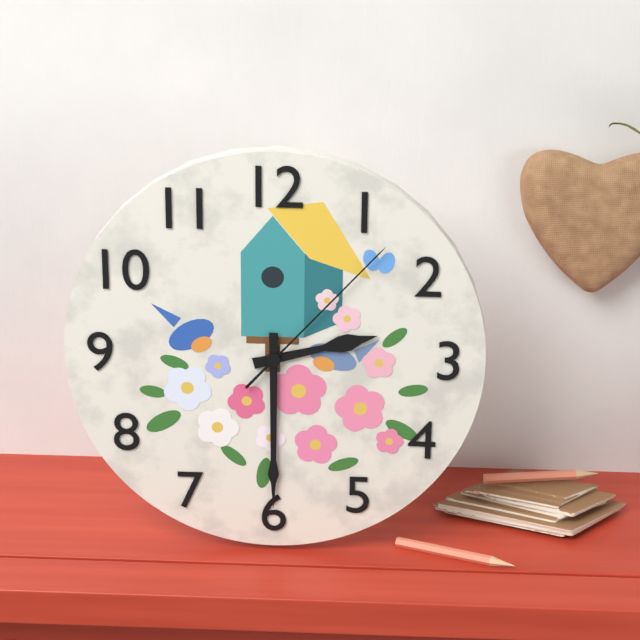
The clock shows 2 h 30 min 07 s
